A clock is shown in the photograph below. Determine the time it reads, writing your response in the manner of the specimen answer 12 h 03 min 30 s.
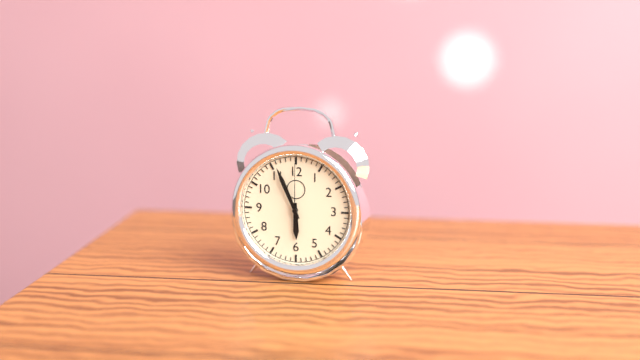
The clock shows 5 h 56 min 00 s
